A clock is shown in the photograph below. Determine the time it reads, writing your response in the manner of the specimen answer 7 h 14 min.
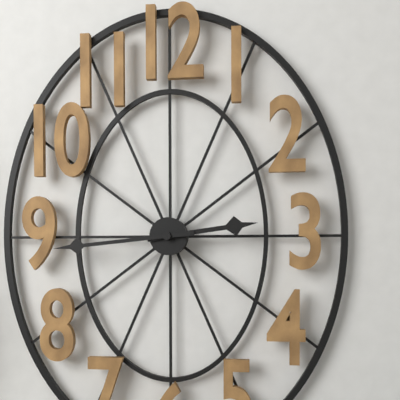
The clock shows 2 h 44 min
